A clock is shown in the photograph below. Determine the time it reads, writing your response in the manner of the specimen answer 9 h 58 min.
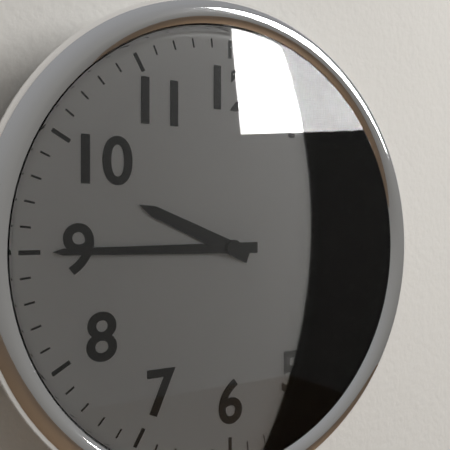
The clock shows 9 h 45 min
